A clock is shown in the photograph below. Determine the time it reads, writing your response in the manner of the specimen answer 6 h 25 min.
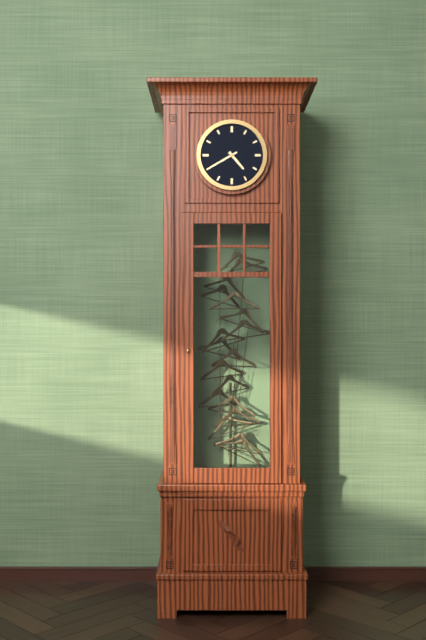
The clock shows 4 h 40 min
